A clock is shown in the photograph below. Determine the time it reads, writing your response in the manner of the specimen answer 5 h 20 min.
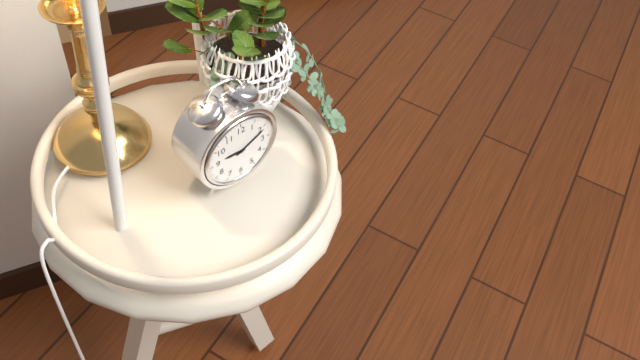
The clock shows 9 h 11 min
